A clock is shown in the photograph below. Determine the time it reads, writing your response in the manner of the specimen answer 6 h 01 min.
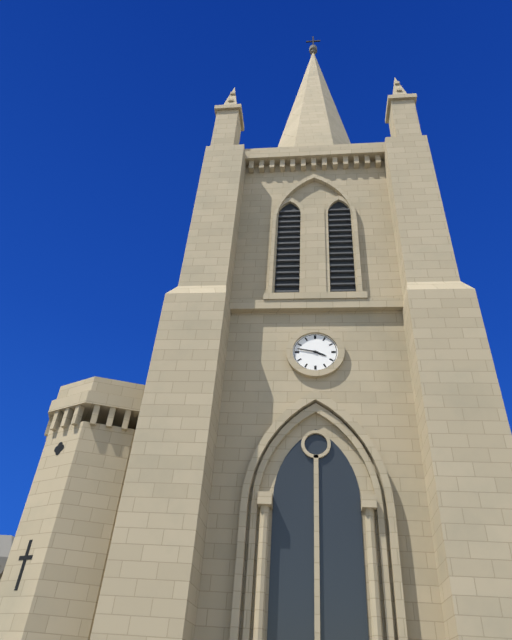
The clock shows 3 h 47 min
